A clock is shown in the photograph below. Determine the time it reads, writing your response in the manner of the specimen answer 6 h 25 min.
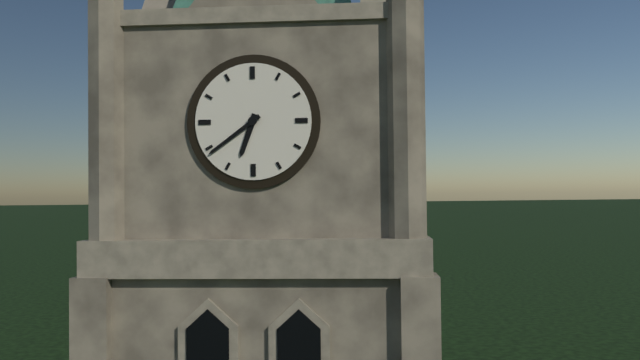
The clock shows 6 h 39 min
